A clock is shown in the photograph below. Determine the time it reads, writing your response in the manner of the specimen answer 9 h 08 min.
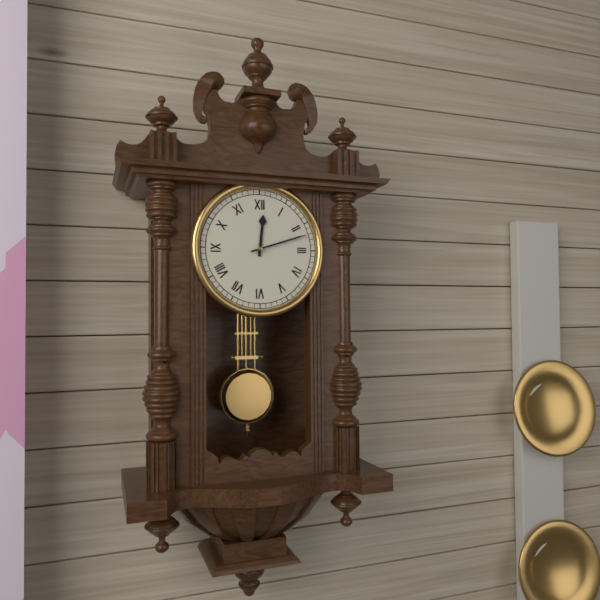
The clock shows 12 h 12 min
